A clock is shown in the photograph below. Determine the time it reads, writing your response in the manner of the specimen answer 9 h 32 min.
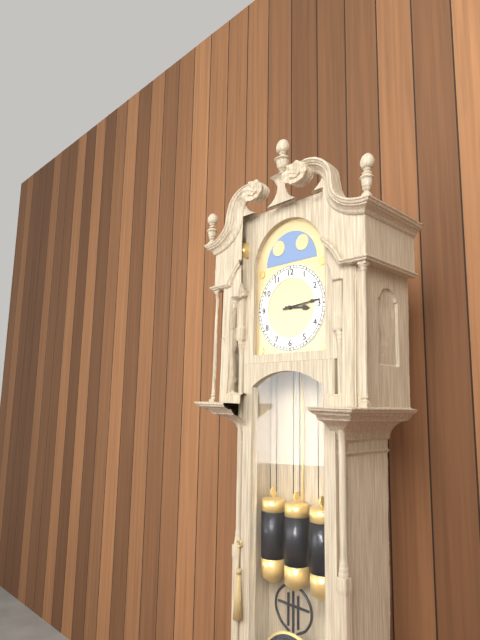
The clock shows 3 h 14 min
